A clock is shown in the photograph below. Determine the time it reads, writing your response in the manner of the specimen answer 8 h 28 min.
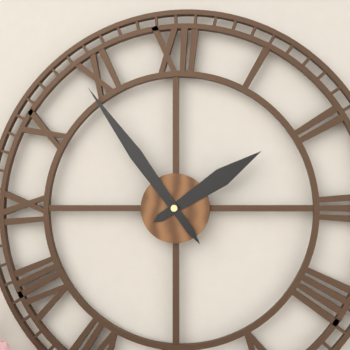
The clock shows 1 h 54 min
